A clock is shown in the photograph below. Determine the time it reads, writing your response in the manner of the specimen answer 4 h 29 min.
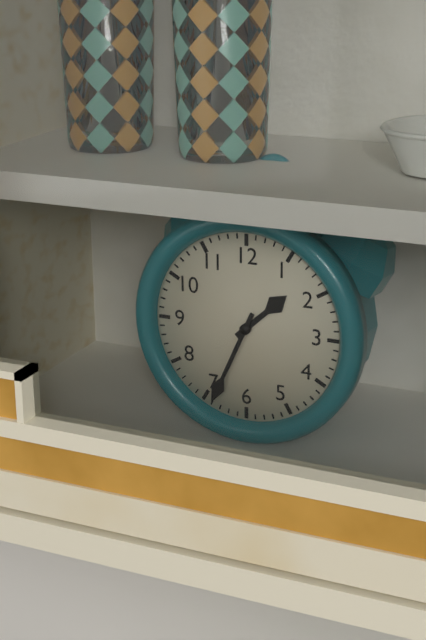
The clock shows 1 h 34 min
